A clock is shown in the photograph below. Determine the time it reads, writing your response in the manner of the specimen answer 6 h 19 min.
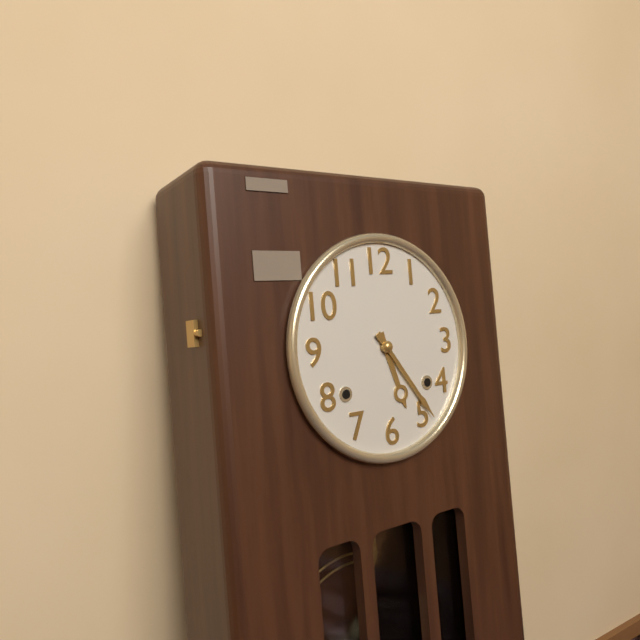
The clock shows 5 h 24 min
